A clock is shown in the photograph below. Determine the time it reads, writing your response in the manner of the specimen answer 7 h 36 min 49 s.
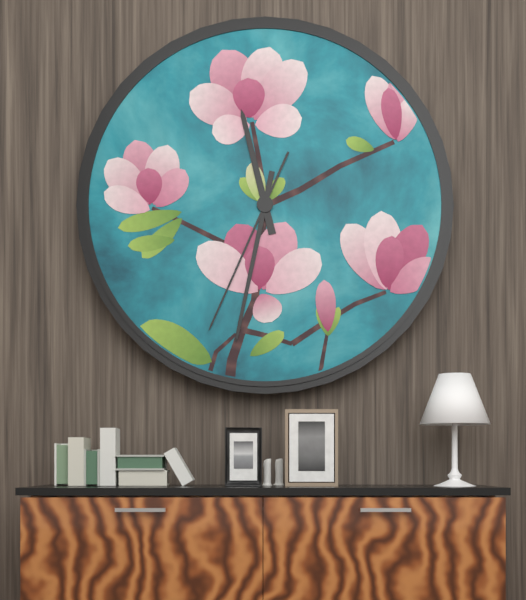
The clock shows 11 h 32 min 34 s
